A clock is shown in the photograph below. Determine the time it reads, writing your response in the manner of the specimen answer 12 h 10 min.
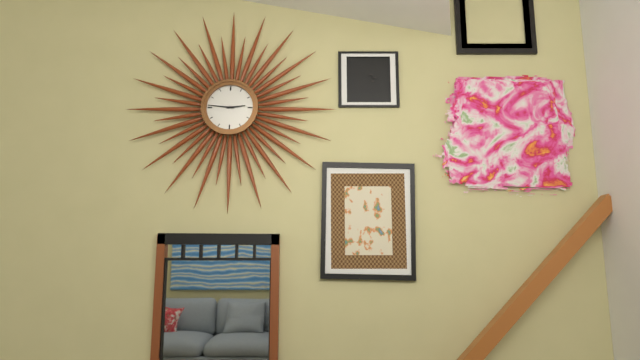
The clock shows 2 h 46 min
